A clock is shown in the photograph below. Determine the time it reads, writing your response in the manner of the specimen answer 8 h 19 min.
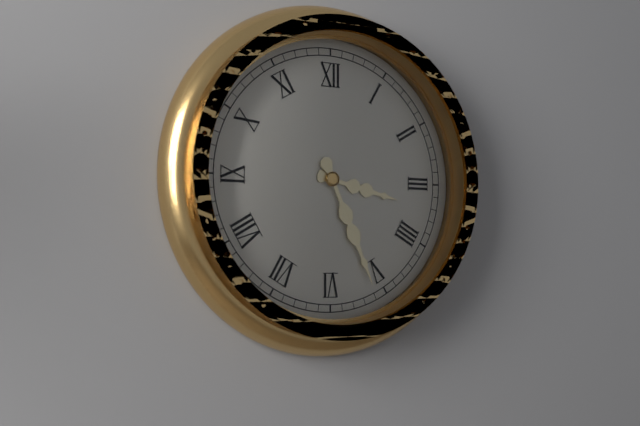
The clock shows 3 h 26 min
